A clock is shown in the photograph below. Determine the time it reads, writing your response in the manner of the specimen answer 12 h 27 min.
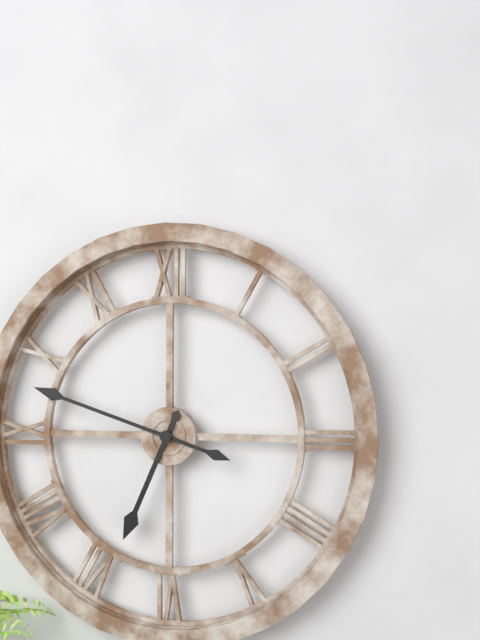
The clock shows 6 h 48 min
